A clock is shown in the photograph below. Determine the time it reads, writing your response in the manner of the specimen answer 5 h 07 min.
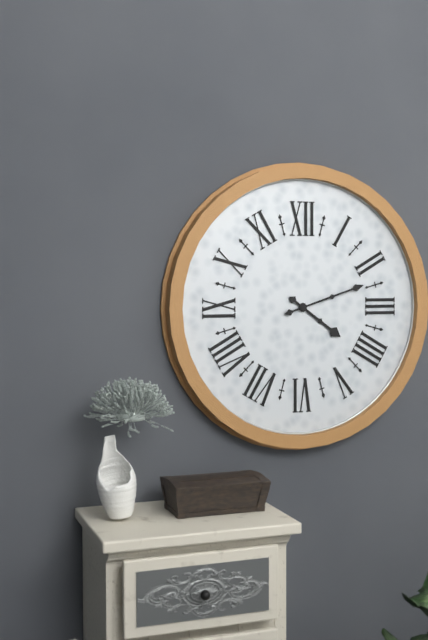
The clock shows 4 h 12 min
